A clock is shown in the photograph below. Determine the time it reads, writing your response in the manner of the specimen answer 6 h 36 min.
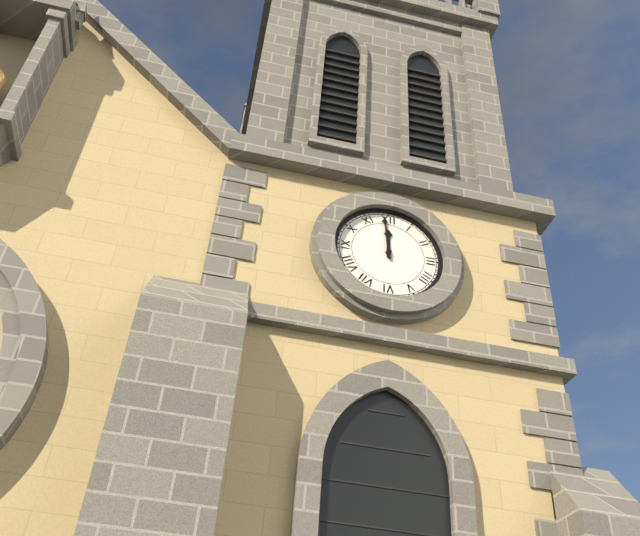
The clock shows 11 h 59 min
